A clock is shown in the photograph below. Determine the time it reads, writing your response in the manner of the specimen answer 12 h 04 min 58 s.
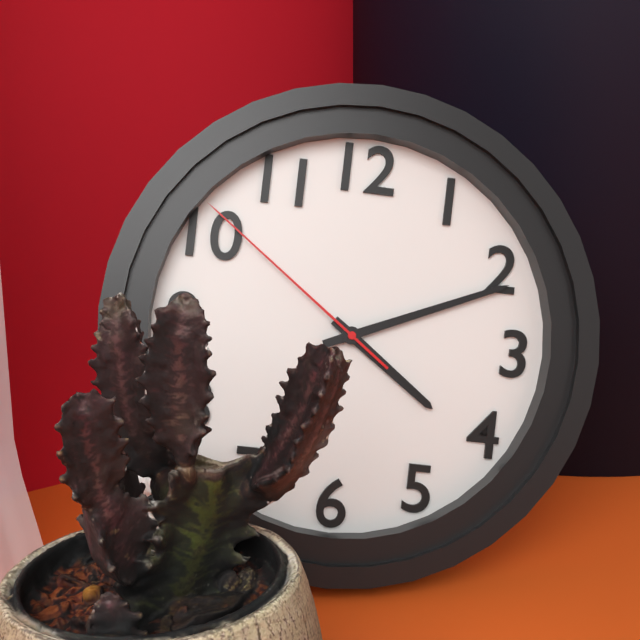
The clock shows 4 h 11 min 51 s
